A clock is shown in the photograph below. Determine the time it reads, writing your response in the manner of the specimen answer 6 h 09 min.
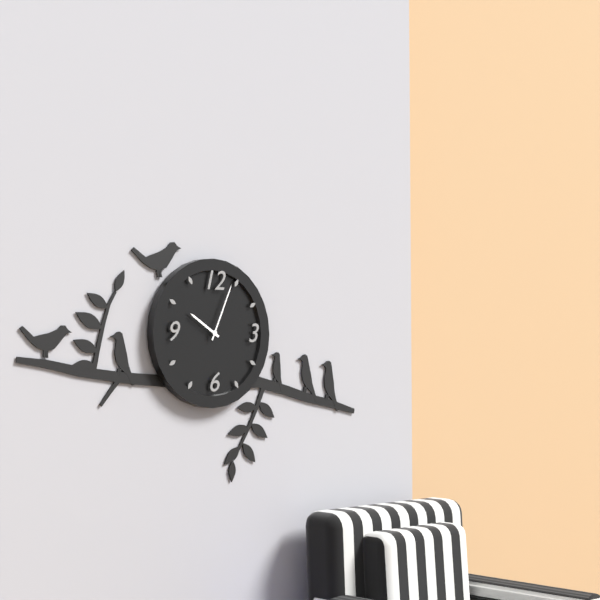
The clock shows 10 h 04 min
